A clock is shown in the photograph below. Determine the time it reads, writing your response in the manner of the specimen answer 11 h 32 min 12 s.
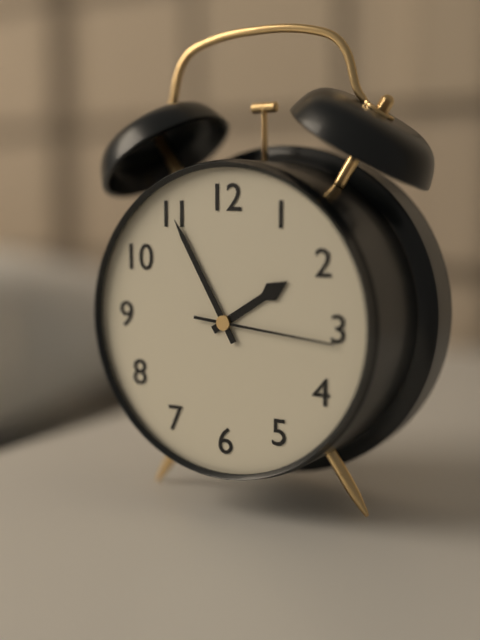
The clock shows 1 h 55 min 16 s
